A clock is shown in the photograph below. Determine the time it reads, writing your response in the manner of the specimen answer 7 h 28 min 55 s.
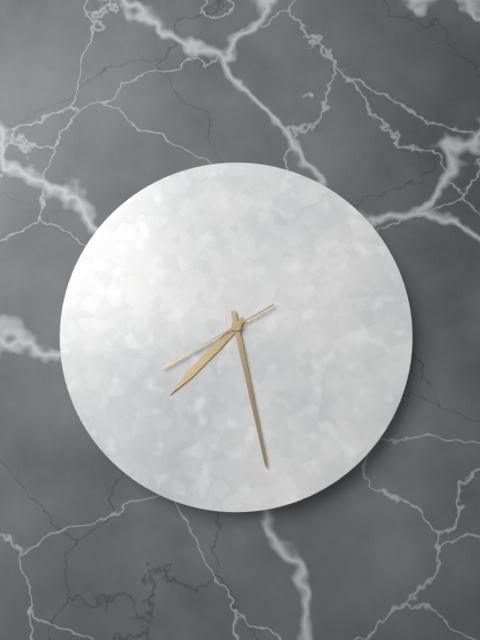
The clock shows 7 h 28 min 40 s
